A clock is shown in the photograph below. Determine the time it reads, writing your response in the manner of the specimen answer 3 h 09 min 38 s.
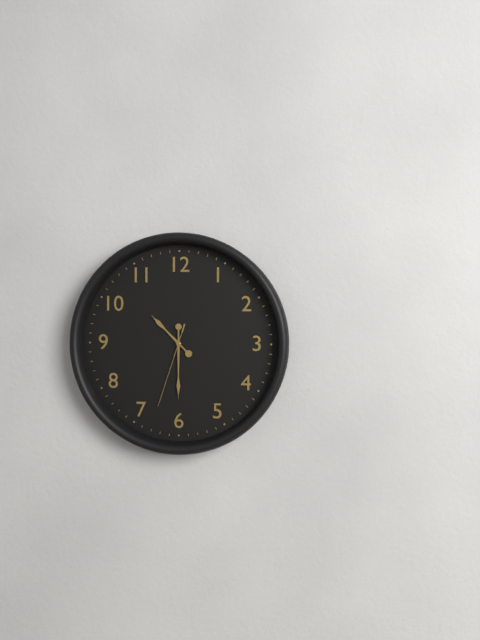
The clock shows 10 h 30 min 33 s
